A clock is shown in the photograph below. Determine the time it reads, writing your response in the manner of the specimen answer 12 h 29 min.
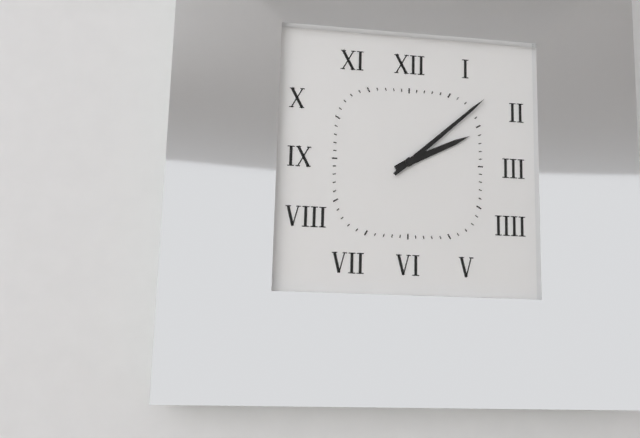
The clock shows 2 h 08 min
